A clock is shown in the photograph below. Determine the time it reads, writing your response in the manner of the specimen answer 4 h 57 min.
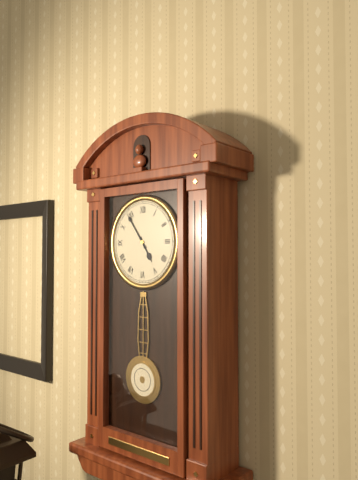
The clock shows 4 h 54 min
